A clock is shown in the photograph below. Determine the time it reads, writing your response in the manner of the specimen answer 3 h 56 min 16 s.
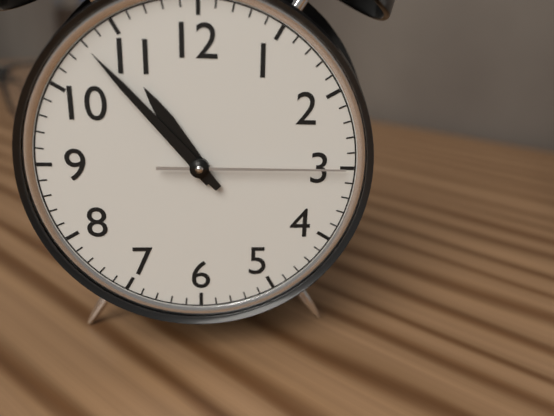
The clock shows 10 h 53 min 15 s
